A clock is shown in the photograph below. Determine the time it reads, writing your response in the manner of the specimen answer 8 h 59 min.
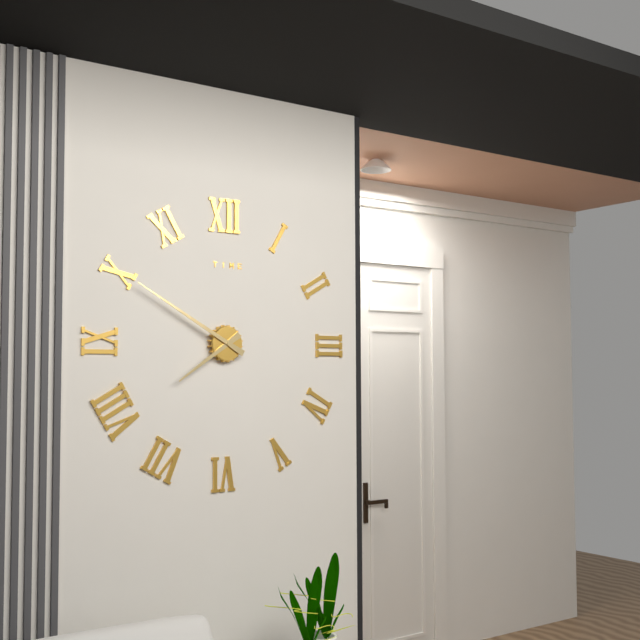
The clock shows 7 h 50 min
